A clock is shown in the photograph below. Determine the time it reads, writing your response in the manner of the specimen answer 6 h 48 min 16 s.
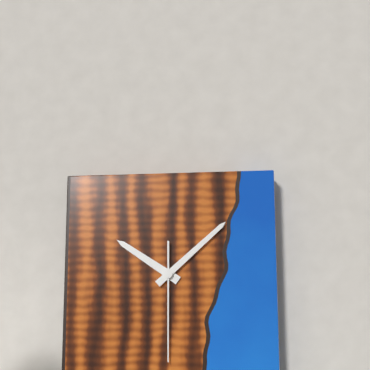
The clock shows 10 h 08 min 30 s
